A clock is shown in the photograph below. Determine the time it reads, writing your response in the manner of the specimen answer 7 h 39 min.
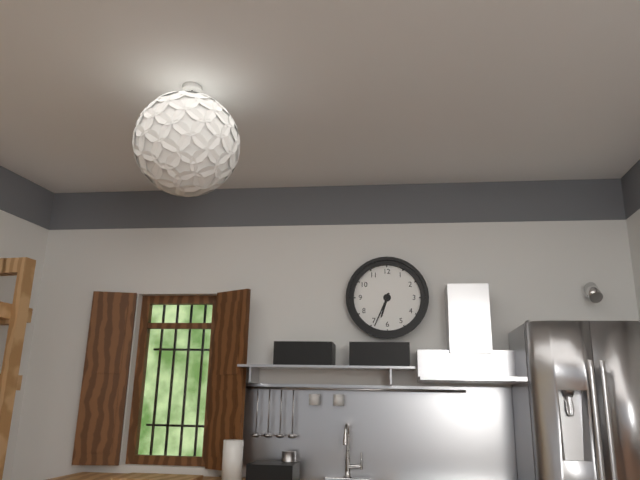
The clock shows 6 h 34 min
